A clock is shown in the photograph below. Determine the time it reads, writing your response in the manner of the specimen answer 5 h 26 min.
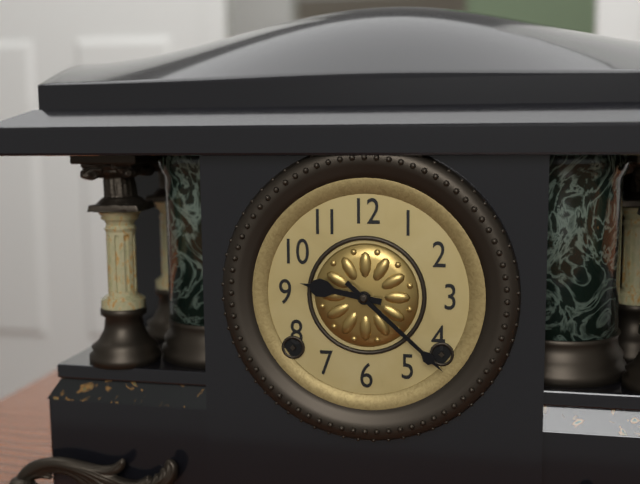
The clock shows 9 h 22 min
